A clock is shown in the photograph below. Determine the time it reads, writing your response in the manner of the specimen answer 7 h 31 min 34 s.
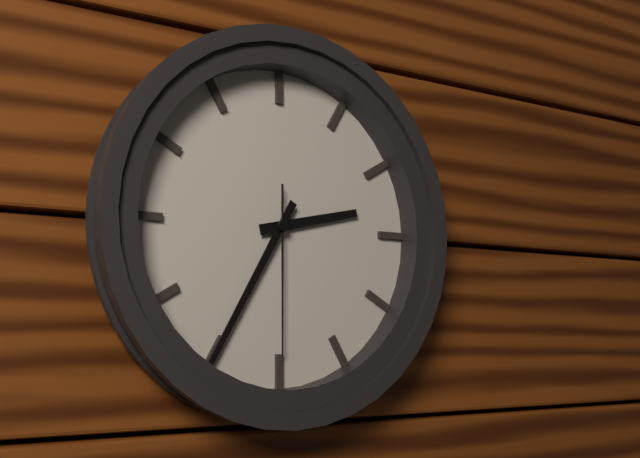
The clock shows 2 h 35 min 30 s
